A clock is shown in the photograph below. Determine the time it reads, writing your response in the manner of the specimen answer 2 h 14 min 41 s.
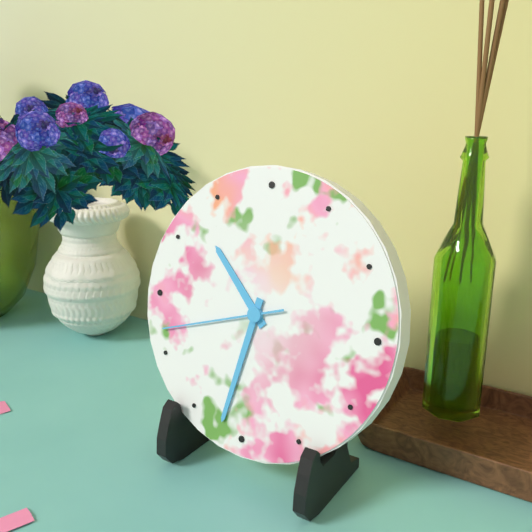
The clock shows 10 h 32 min 42 s
